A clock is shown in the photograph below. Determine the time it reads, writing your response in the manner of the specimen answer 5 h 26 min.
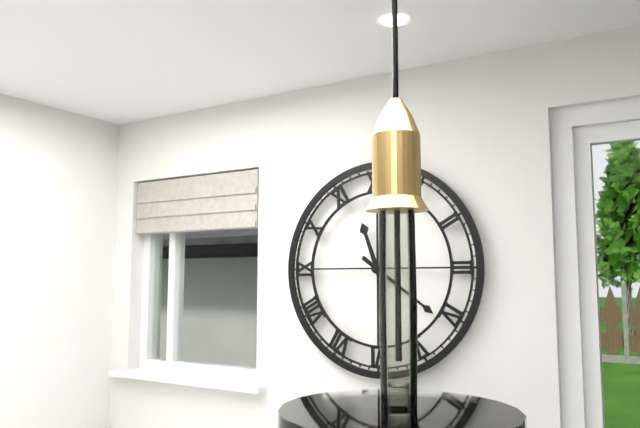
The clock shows 11 h 21 min
